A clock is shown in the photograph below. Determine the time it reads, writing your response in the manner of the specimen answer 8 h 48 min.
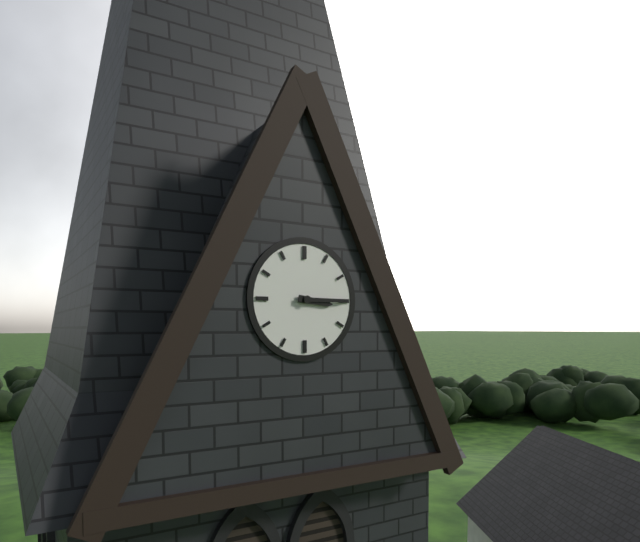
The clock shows 3 h 15 min
